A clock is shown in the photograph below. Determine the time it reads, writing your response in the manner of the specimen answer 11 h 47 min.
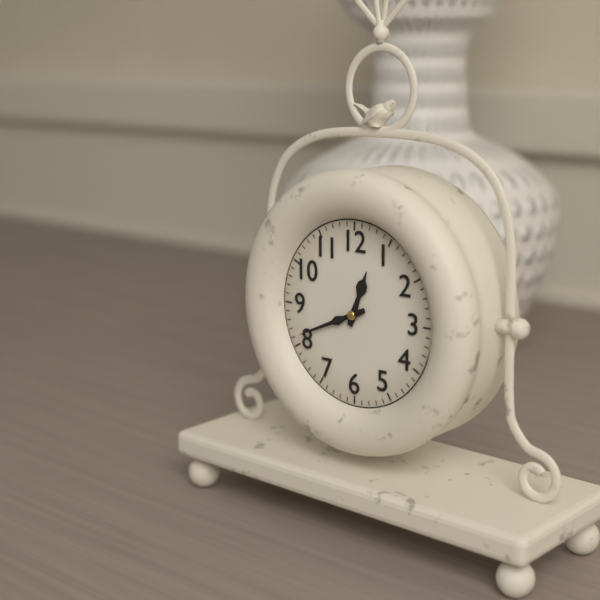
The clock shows 12 h 41 min
